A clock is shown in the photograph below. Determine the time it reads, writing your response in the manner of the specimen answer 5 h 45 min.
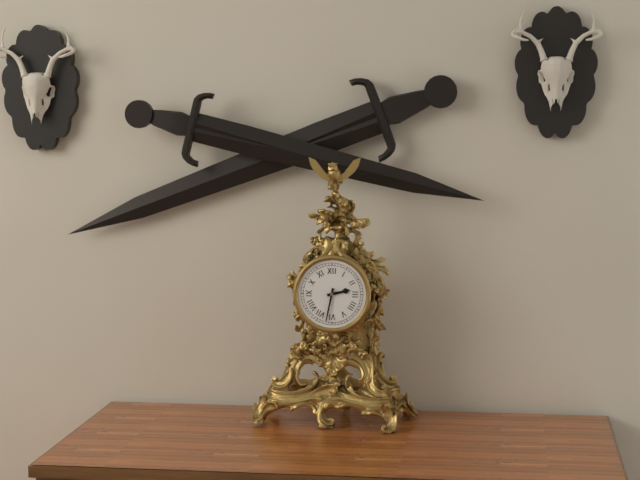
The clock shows 2 h 32 min
